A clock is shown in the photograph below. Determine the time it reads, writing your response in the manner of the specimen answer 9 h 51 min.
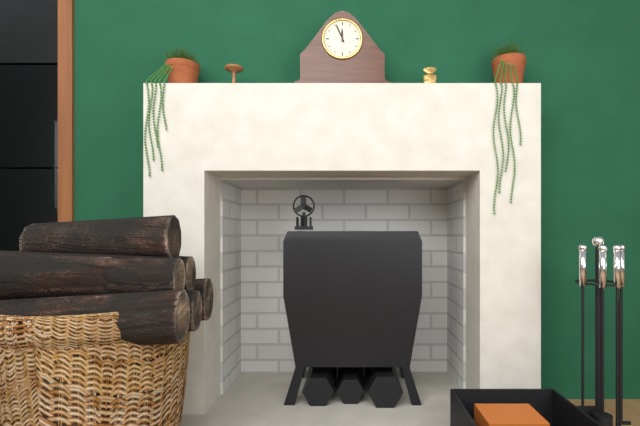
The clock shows 11 h 56 min
